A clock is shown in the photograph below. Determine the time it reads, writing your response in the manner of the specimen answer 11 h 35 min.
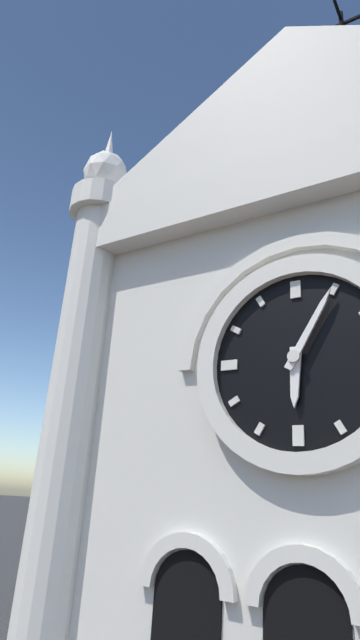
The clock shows 6 h 05 min
